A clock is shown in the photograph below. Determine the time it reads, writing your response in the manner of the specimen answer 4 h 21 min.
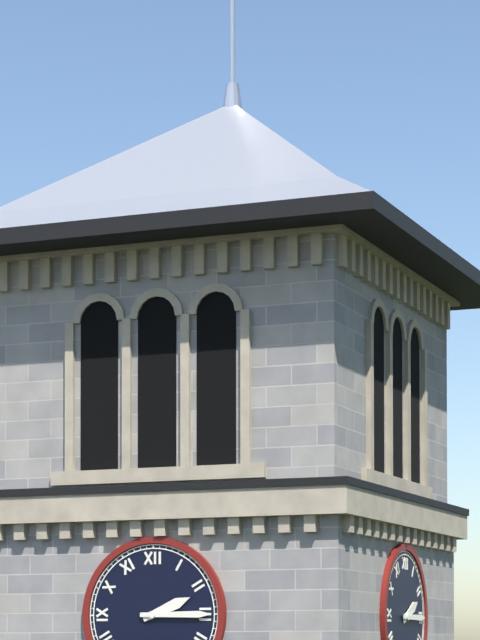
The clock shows 2 h 15 min
